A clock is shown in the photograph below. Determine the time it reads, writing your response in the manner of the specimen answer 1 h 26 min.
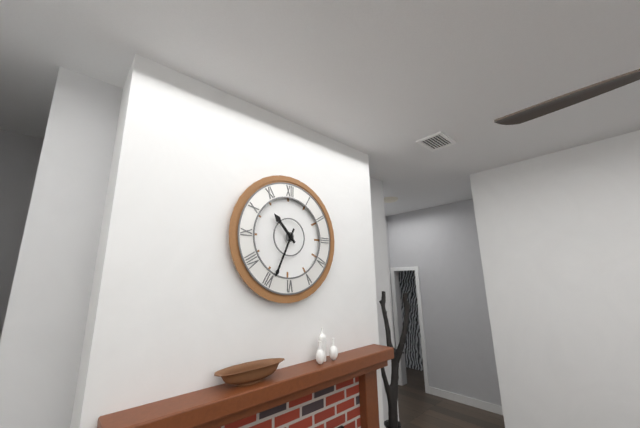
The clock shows 10 h 34 min
